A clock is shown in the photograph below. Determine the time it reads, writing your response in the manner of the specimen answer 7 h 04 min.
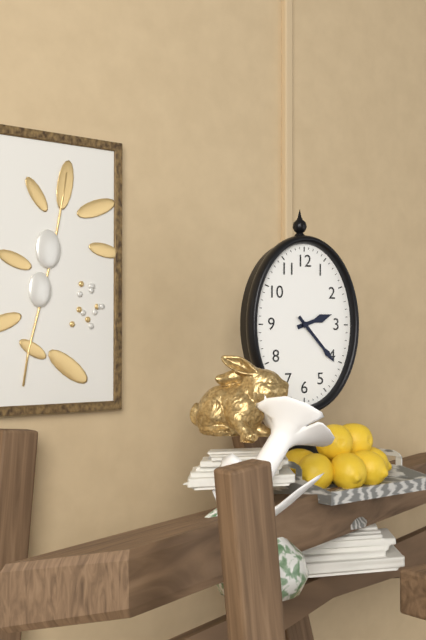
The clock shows 2 h 23 min
